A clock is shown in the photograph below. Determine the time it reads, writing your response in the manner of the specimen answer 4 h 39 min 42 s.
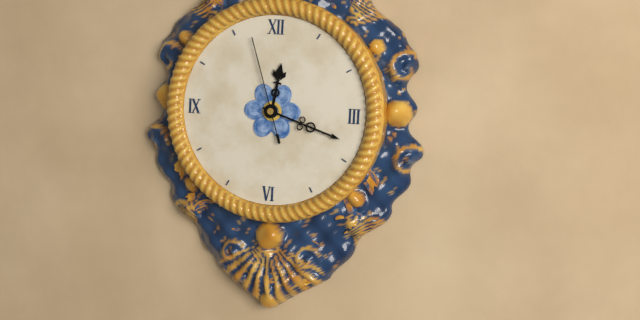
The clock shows 12 h 18 min 57 s
